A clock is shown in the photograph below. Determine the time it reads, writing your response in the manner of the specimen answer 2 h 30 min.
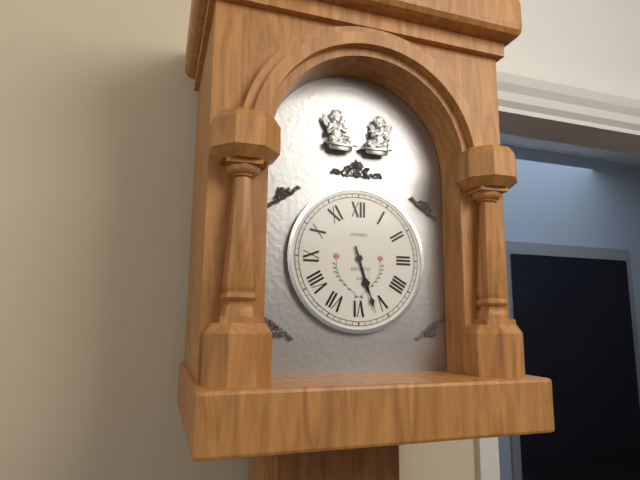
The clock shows 5 h 27 min
